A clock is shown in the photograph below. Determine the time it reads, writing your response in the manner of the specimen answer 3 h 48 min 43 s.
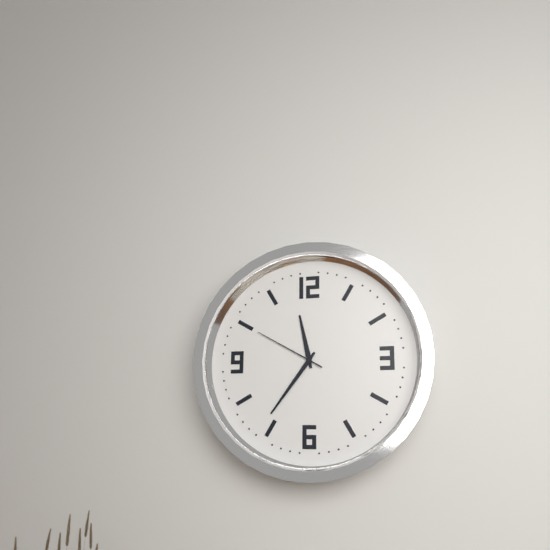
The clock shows 11 h 36 min 50 s
